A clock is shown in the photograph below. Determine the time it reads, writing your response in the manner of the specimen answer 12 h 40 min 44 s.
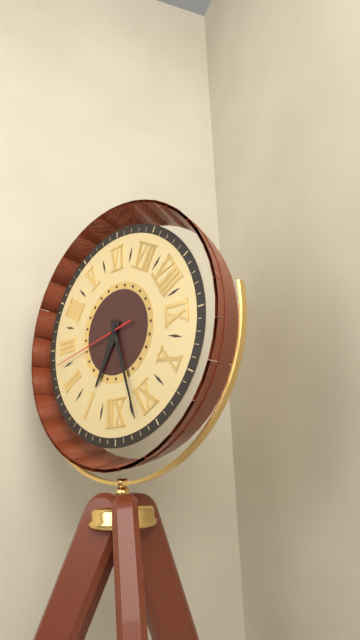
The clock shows 12 h 57 min 13 s
